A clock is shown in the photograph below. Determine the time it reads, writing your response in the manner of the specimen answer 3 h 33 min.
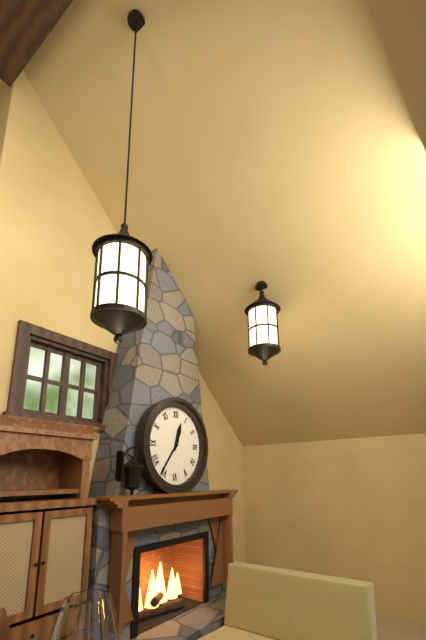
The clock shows 12 h 36 min
